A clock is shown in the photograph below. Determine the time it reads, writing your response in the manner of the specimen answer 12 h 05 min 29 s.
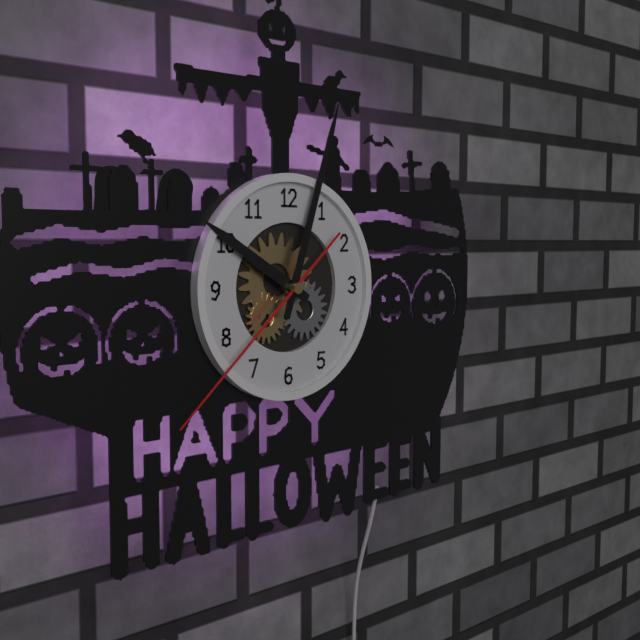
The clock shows 10 h 03 min 38 s
